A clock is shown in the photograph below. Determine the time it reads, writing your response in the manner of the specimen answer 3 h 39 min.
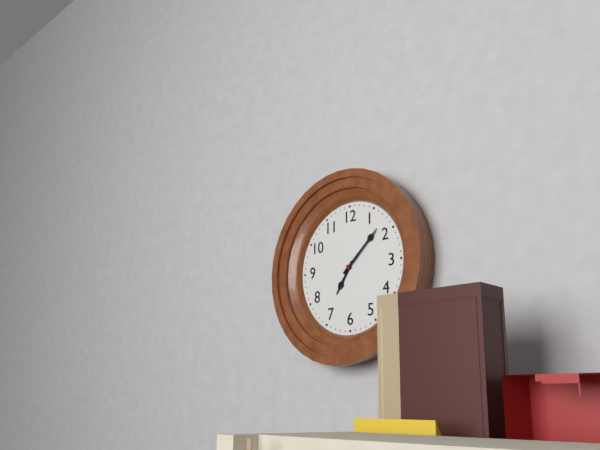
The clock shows 7 h 08 min
